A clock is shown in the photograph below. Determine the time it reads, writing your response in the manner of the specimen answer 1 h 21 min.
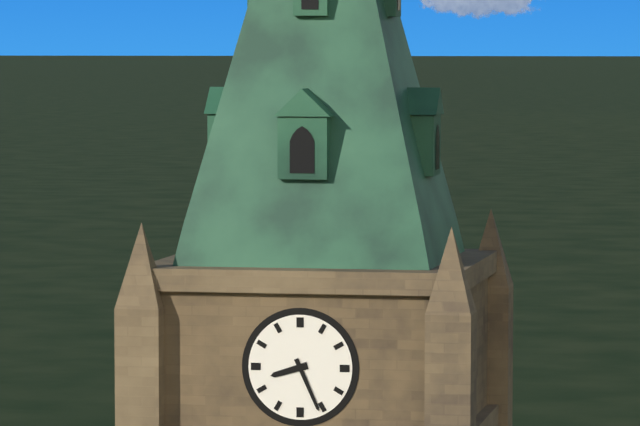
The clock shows 8 h 26 min
